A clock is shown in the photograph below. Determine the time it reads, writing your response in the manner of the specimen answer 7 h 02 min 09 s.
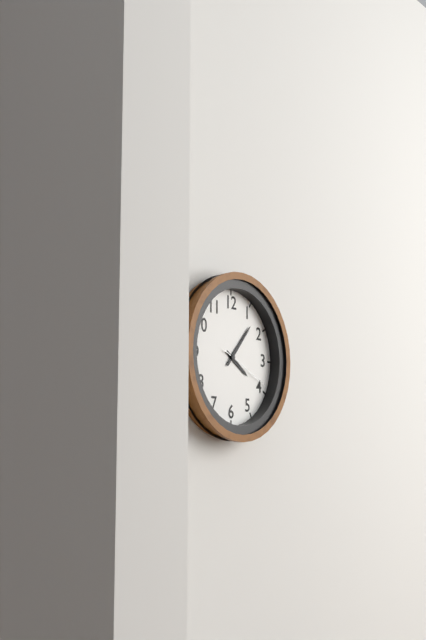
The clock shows 4 h 07 min 19 s
